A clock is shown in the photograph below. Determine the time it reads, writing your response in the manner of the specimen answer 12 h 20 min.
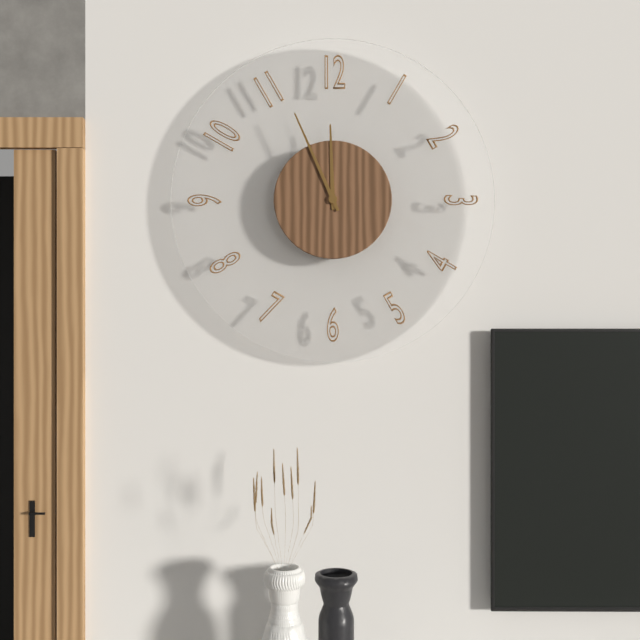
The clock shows 11 h 56 min
